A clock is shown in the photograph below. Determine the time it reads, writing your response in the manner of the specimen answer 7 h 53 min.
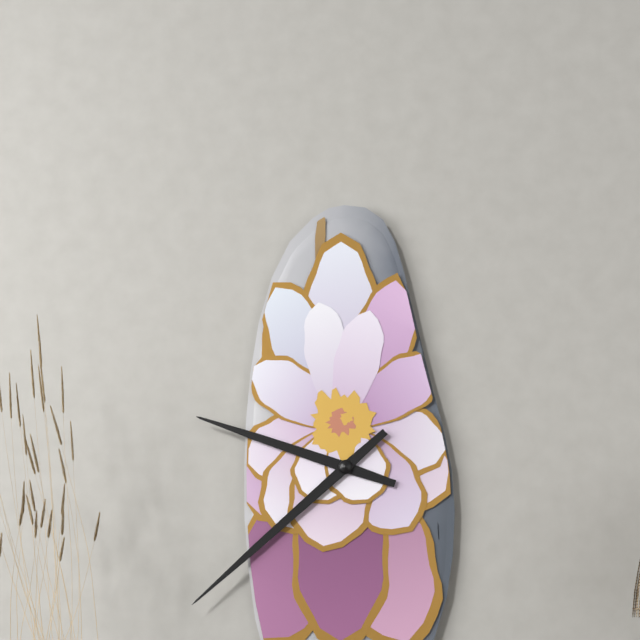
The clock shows 9 h 38 min
